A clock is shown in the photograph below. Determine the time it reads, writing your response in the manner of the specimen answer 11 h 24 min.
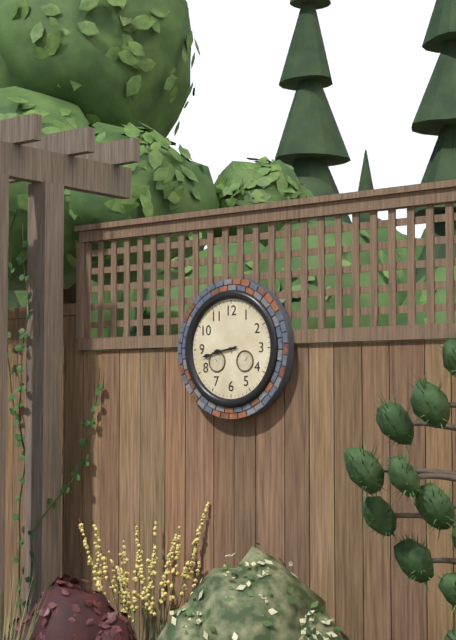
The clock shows 8 h 43 min
